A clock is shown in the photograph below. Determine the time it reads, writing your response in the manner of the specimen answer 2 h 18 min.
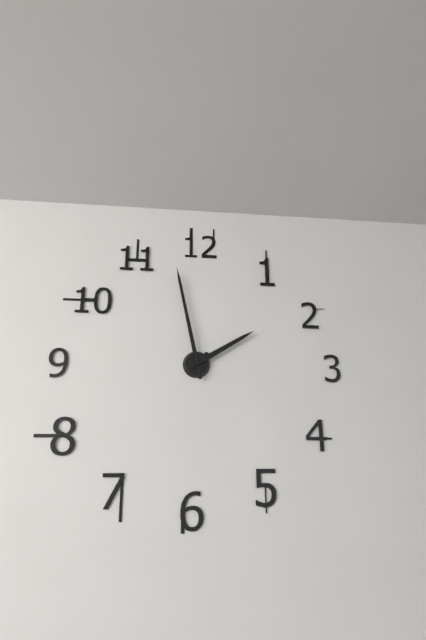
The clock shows 1 h 58 min
